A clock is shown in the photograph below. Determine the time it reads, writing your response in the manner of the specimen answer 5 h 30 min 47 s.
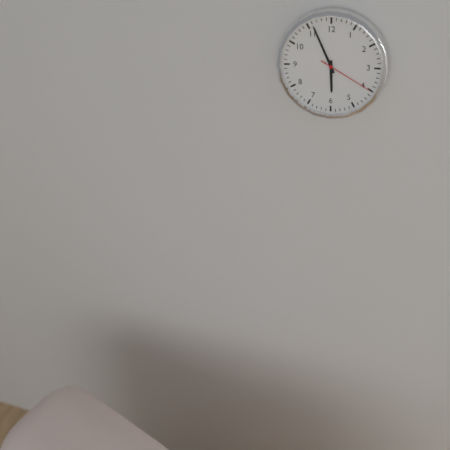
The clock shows 5 h 56 min 20 s
